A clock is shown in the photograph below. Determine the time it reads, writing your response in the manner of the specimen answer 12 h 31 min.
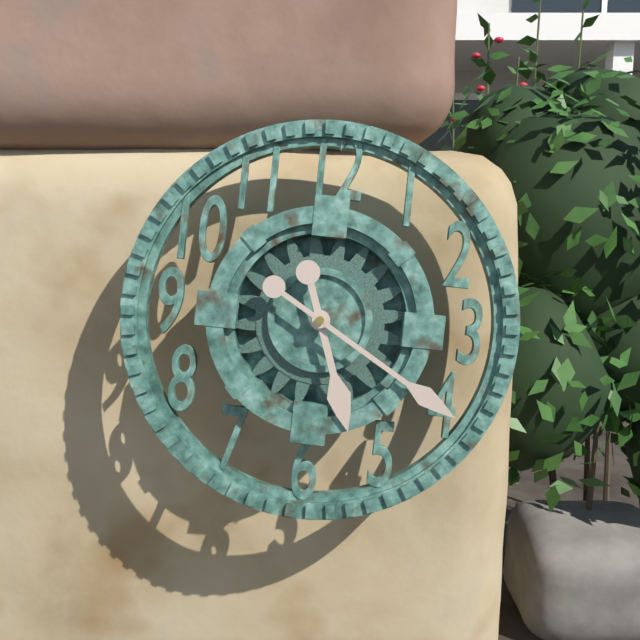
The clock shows 5 h 20 min
